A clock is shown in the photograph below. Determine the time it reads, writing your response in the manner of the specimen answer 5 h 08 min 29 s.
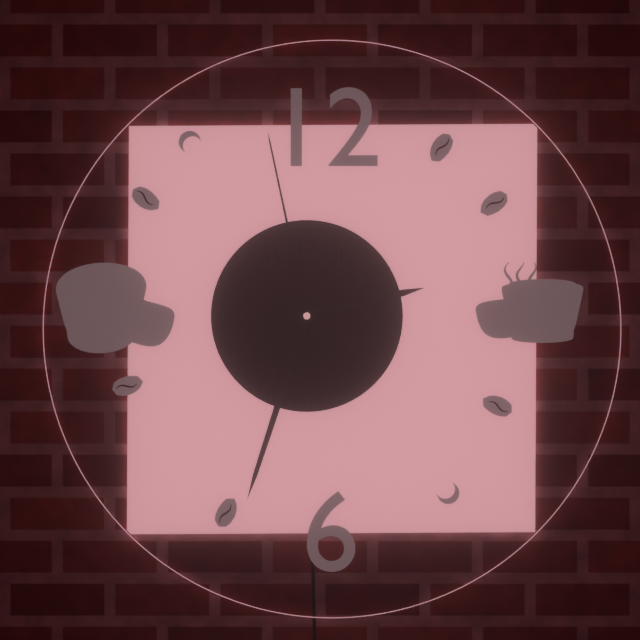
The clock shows 2 h 33 min 58 s
